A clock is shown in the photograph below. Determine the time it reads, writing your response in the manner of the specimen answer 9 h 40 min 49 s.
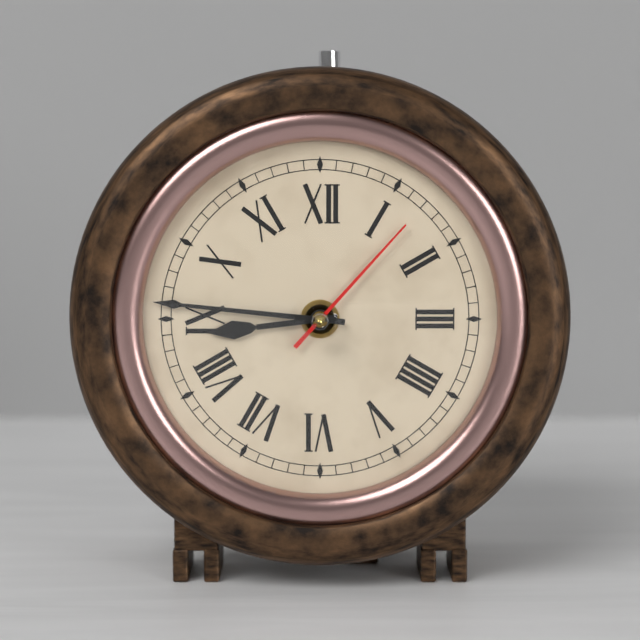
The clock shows 8 h 46 min 07 s
